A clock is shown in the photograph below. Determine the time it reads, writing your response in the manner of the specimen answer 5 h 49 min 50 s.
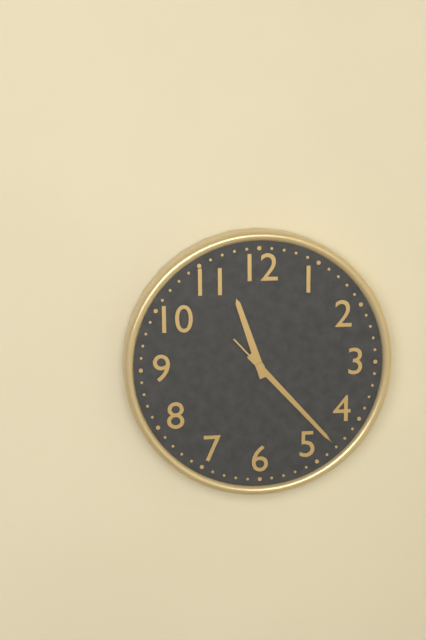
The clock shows 11 h 23 min 23 s
